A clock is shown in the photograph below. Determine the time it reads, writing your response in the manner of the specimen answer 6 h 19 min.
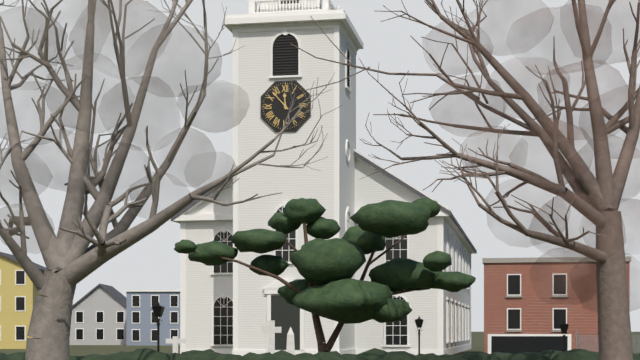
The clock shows 11 h 53 min
